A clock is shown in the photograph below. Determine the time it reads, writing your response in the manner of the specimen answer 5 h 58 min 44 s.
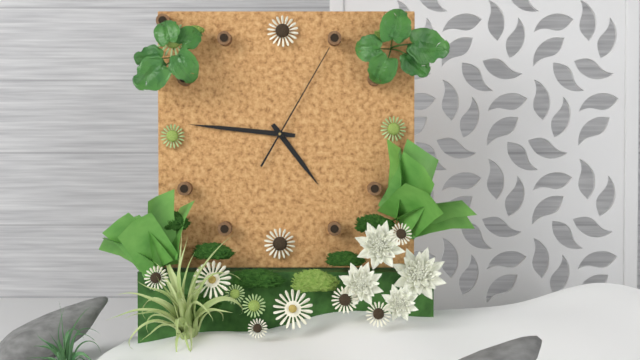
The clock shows 4 h 46 min 05 s
